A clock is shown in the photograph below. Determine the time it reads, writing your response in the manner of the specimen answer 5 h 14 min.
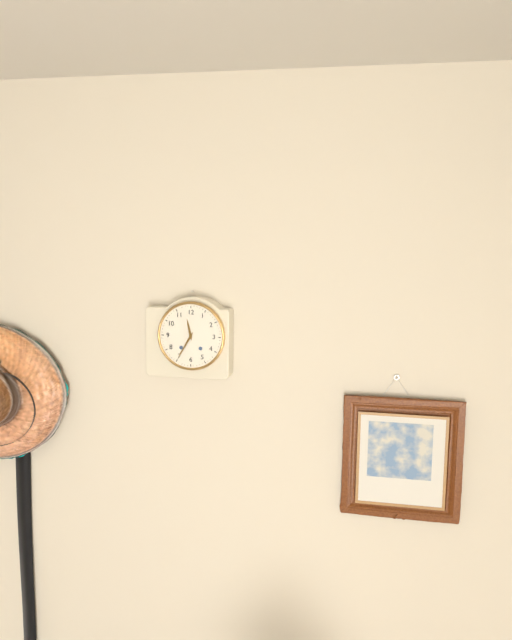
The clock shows 11 h 35 min
